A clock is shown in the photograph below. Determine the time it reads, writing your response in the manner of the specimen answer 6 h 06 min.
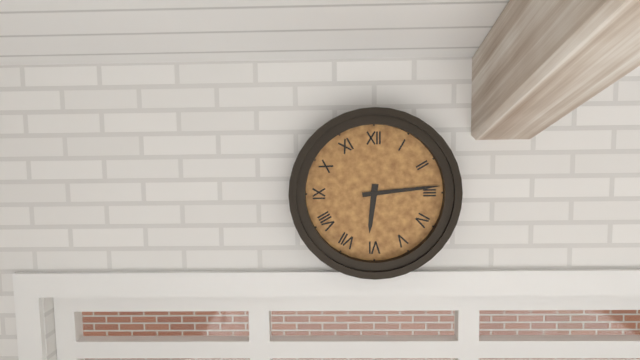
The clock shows 6 h 14 min
